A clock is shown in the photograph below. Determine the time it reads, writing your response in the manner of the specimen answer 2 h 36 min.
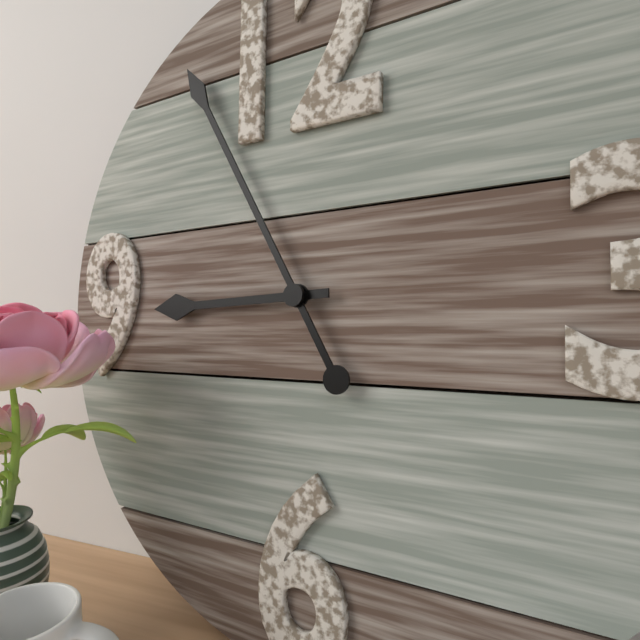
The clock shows 8 h 55 min
